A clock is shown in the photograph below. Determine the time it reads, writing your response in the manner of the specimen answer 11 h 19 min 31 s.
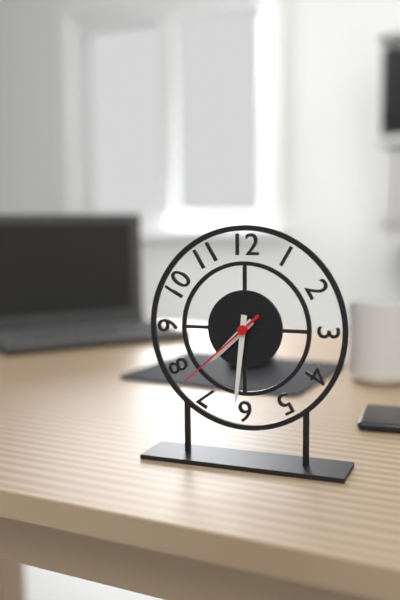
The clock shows 7 h 31 min 38 s
